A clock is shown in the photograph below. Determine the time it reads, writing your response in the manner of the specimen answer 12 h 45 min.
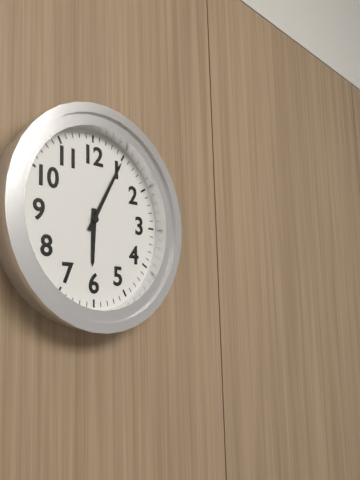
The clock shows 6 h 05 min
